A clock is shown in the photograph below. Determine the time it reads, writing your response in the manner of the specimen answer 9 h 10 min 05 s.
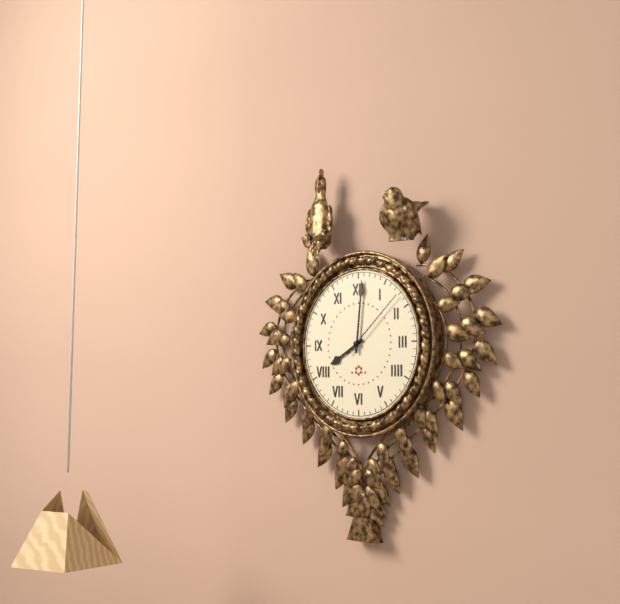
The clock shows 8 h 01 min 08 s
